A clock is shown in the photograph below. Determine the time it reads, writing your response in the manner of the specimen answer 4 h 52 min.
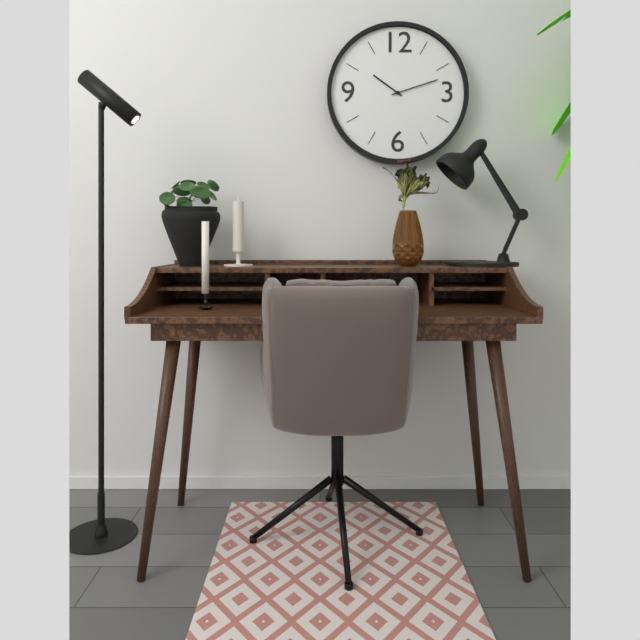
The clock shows 10 h 12 min
